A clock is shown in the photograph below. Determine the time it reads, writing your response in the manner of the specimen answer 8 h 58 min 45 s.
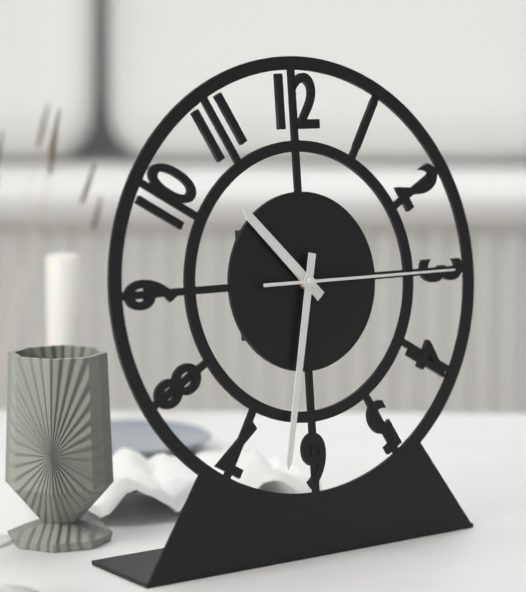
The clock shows 10 h 32 min 15 s
